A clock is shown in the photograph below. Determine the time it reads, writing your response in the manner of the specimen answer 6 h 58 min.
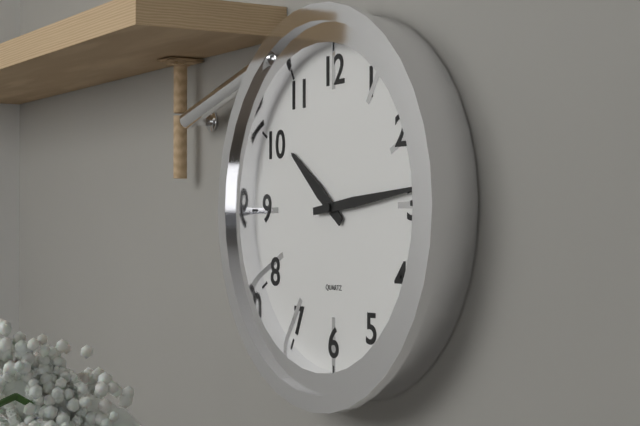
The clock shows 10 h 14 min
